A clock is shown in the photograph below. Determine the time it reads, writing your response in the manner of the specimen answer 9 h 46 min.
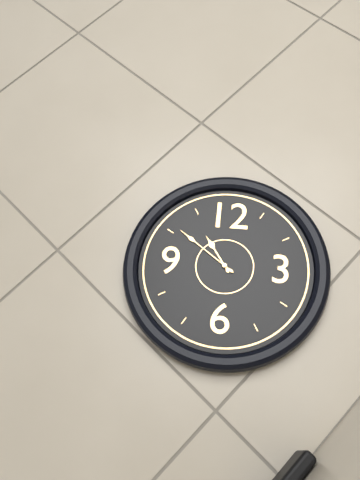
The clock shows 10 h 51 min
